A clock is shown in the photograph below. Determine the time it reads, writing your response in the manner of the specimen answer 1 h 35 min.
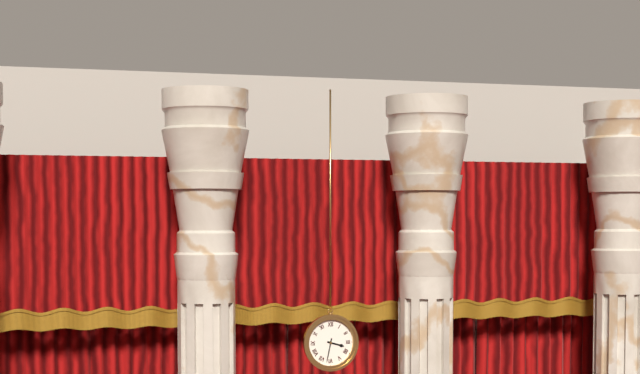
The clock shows 3 h 32 min
